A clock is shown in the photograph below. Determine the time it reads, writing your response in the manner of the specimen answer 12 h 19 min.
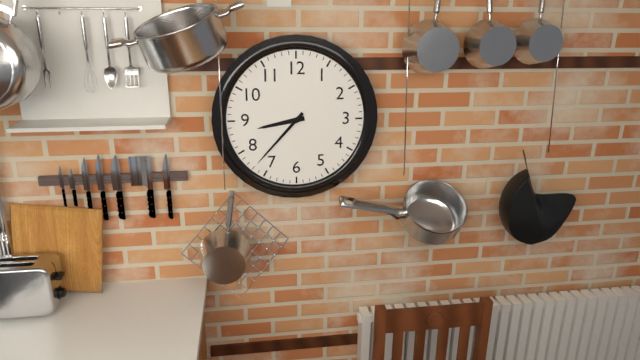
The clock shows 8 h 37 min
